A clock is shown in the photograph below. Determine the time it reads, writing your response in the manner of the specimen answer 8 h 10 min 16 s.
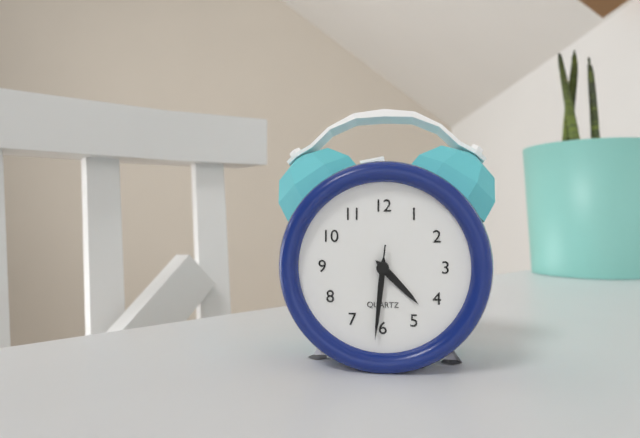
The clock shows 4 h 31 min 31 s
